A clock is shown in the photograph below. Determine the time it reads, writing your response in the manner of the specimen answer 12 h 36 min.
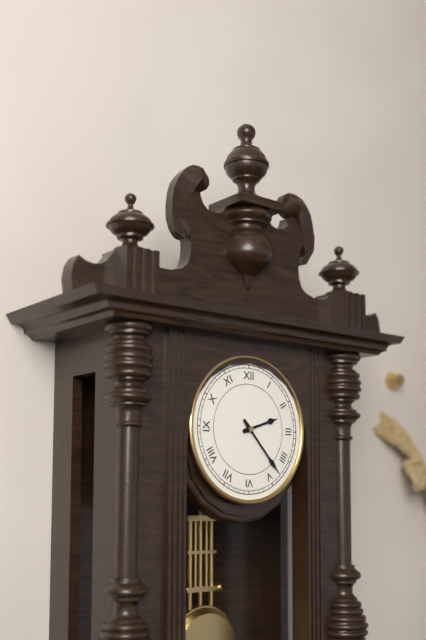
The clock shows 2 h 23 min
